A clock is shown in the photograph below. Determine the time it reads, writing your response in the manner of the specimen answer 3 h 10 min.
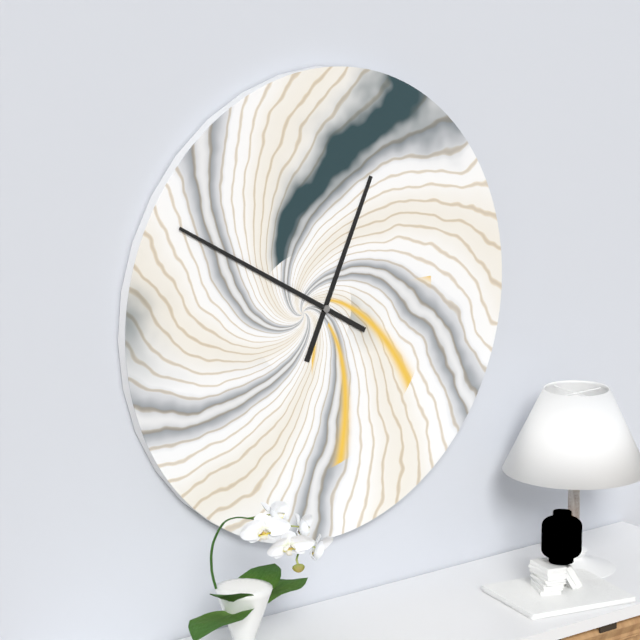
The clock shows 12 h 50 min
